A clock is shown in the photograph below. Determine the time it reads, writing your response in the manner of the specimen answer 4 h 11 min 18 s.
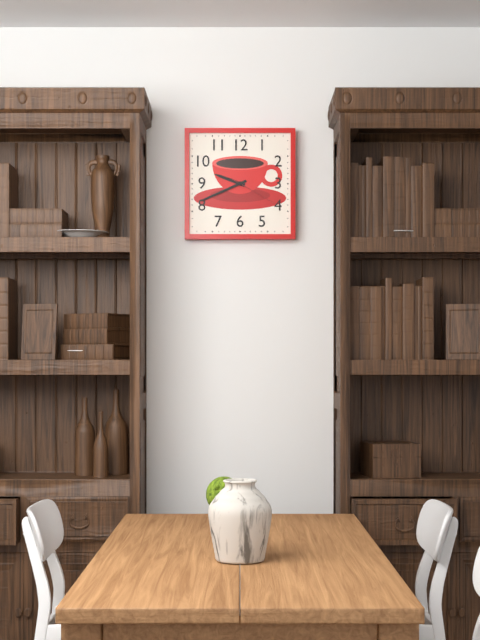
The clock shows 9 h 41 min 20 s
